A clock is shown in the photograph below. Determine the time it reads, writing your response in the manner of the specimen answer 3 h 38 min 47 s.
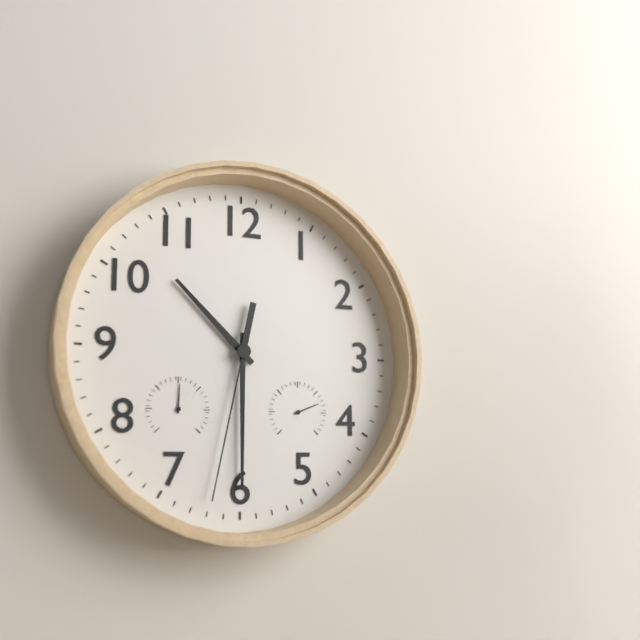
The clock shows 10 h 30 min 32 s
